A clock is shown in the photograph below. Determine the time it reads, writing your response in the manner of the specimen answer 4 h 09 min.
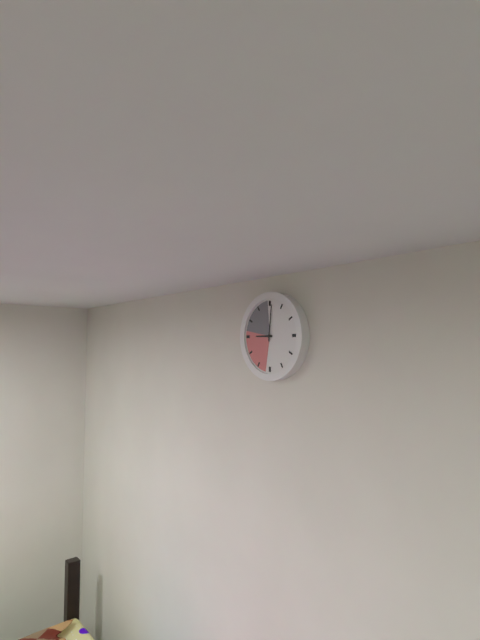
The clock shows 9 h 01 min
